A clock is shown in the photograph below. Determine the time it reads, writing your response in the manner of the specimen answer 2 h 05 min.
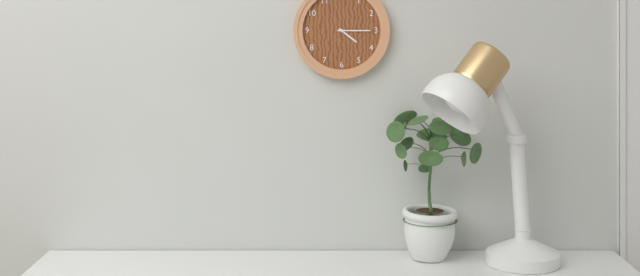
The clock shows 4 h 15 min
